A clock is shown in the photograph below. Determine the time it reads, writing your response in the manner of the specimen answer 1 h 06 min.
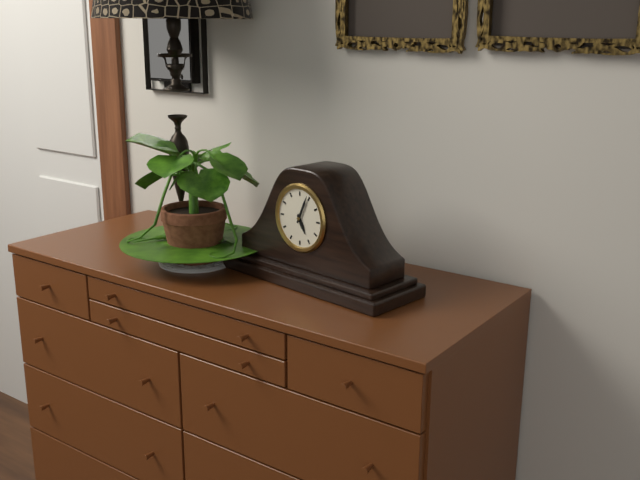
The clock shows 5 h 04 min
